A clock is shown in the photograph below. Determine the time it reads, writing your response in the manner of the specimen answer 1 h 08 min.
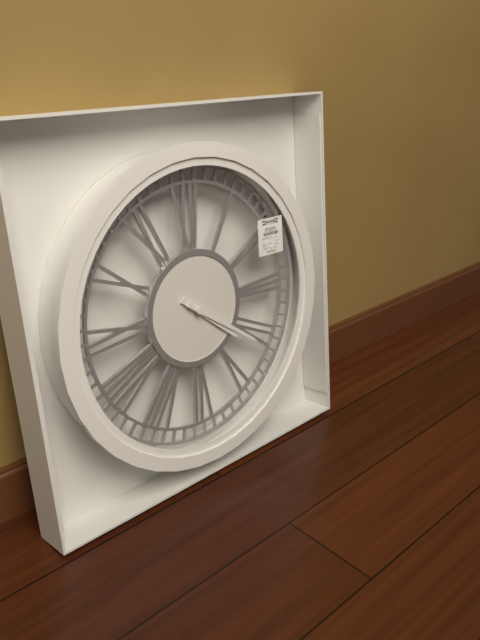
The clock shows 4 h 21 min
